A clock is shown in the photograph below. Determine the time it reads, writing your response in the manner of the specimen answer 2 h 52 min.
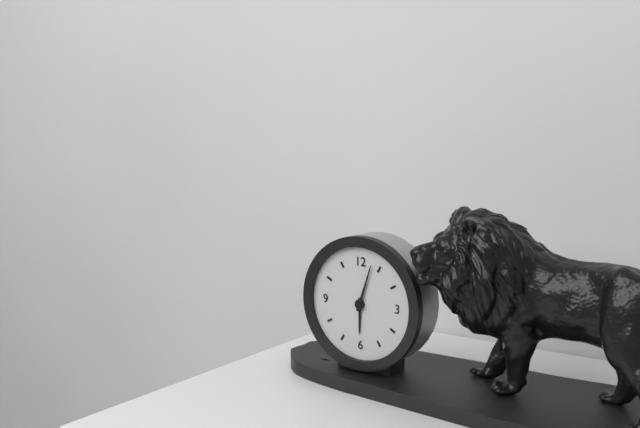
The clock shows 6 h 03 min
